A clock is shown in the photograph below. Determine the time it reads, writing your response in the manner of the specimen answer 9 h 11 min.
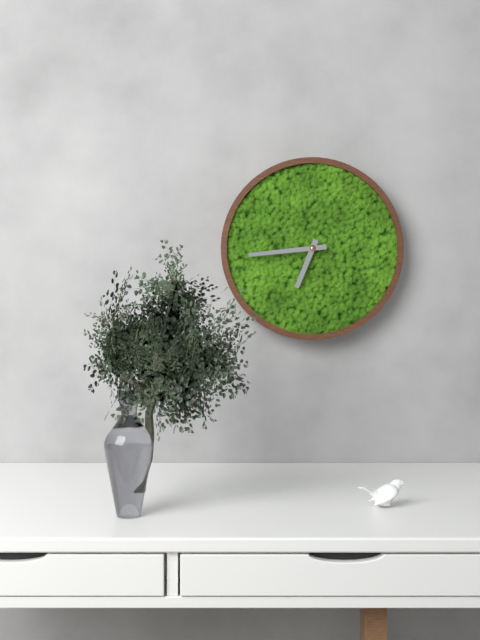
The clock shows 6 h 44 min
